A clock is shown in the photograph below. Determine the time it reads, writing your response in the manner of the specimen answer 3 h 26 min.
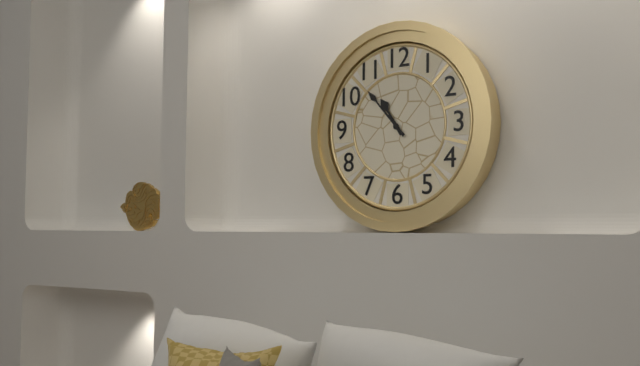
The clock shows 10 h 53 min
